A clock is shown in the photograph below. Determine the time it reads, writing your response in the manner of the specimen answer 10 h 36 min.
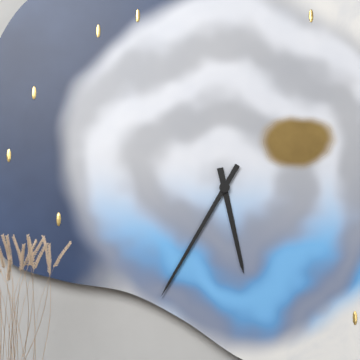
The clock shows 5 h 35 min
